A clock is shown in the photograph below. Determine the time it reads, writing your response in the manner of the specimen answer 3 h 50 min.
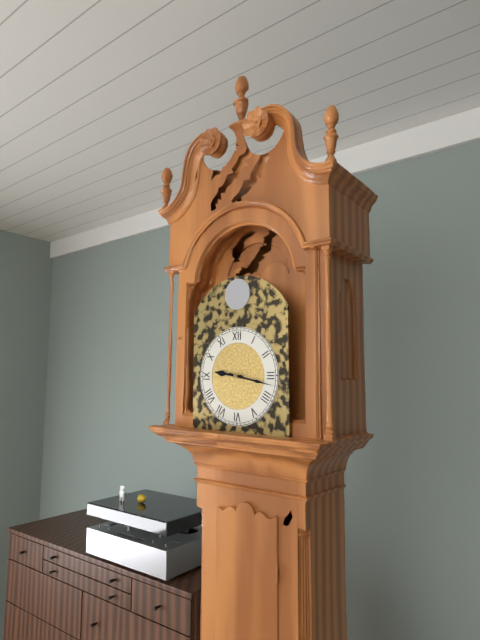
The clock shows 9 h 17 min
